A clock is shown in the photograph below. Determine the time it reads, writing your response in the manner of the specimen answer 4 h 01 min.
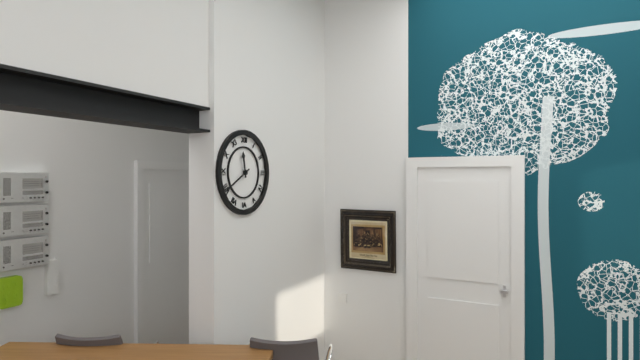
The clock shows 11 h 40 min
